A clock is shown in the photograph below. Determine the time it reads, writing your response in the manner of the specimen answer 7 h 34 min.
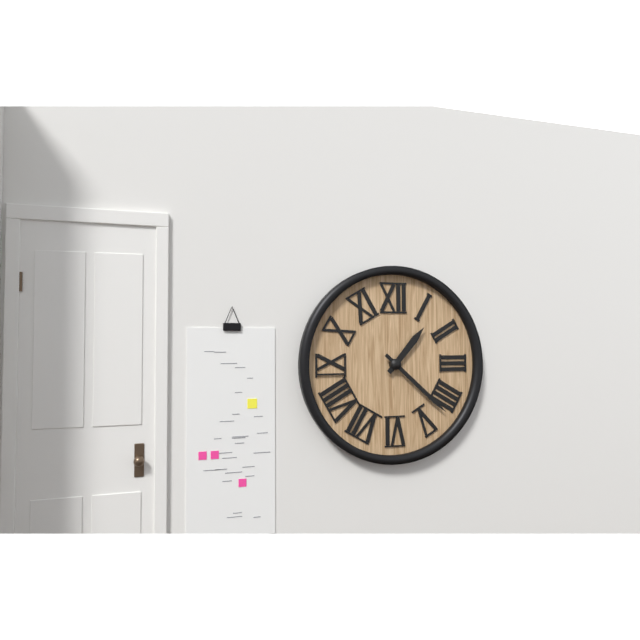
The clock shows 1 h 22 min
